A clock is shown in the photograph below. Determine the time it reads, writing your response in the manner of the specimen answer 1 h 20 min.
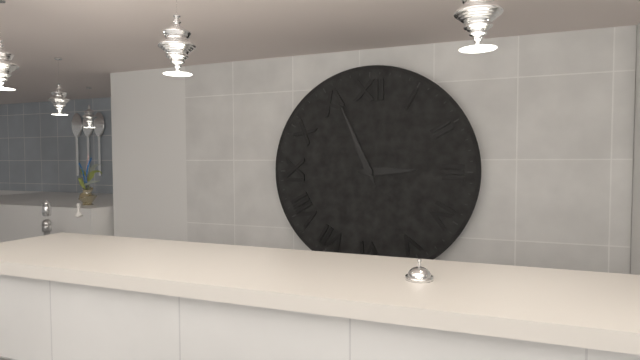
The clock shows 2 h 56 min
